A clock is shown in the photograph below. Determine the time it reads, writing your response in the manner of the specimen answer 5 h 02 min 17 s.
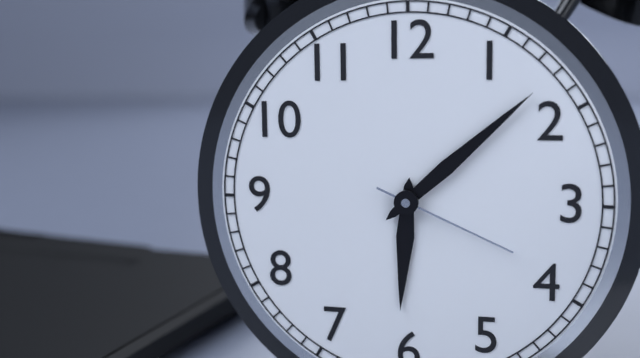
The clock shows 6 h 08 min 19 s
